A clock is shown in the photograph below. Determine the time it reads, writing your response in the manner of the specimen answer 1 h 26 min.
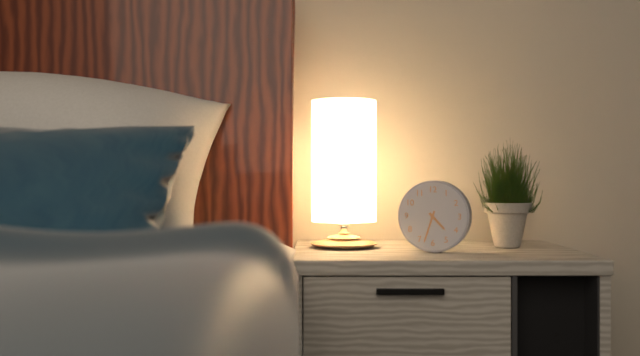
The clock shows 4 h 33 min
